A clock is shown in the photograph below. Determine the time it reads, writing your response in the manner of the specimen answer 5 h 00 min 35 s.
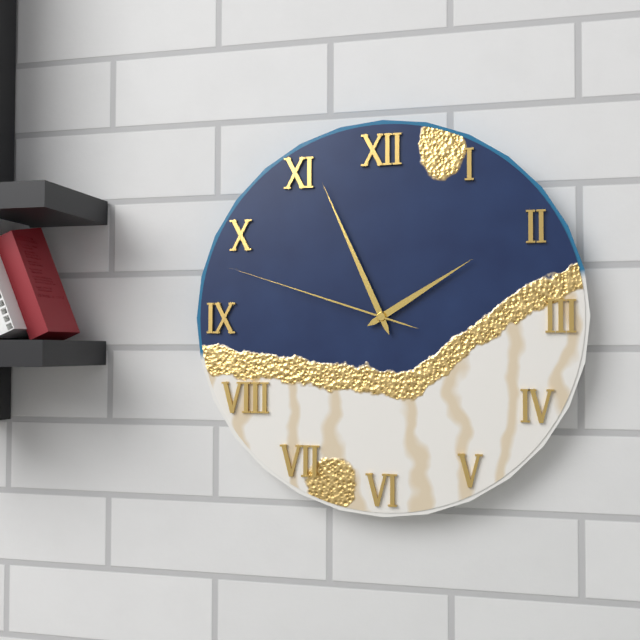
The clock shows 1 h 56 min 48 s
